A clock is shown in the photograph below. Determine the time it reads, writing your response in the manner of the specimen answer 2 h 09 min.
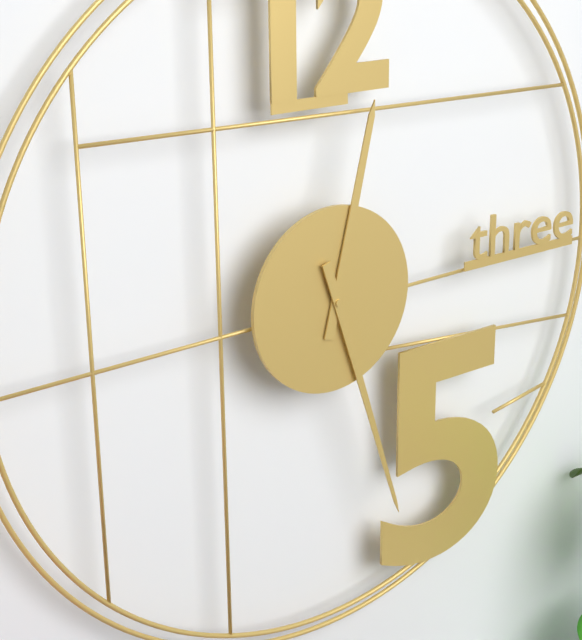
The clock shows 12 h 27 min
